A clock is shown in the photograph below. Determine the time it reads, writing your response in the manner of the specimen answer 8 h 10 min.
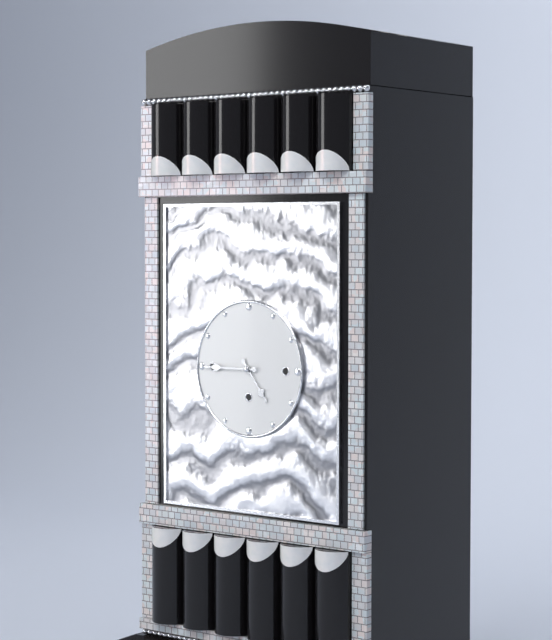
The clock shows 4 h 45 min
